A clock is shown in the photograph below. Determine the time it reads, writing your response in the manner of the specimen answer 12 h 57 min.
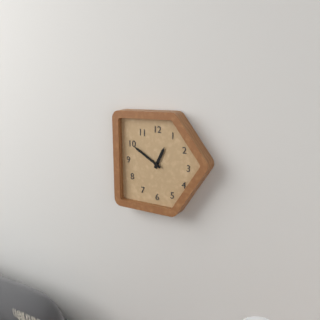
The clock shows 12 h 50 min
